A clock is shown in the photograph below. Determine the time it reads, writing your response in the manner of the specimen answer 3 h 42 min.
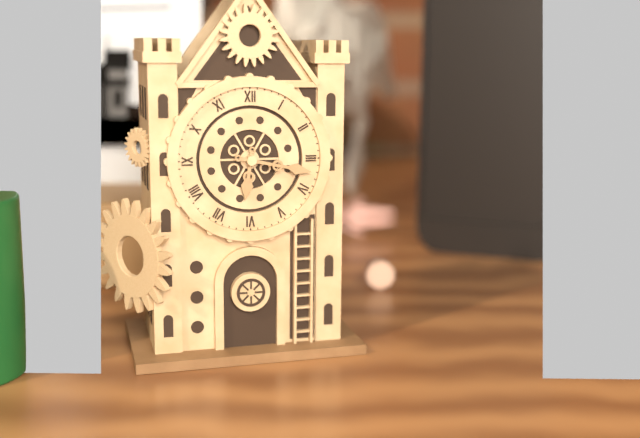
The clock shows 6 h 17 min
